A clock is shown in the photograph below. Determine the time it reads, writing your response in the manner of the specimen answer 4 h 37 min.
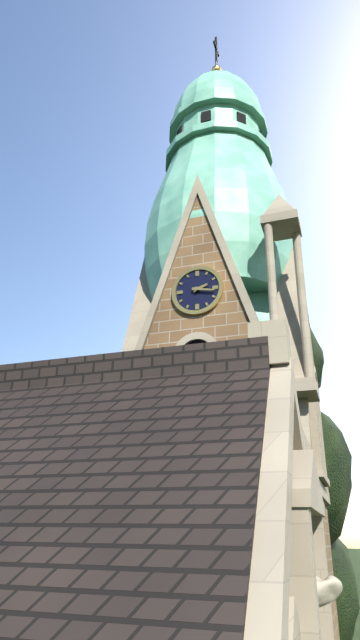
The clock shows 2 h 17 min
